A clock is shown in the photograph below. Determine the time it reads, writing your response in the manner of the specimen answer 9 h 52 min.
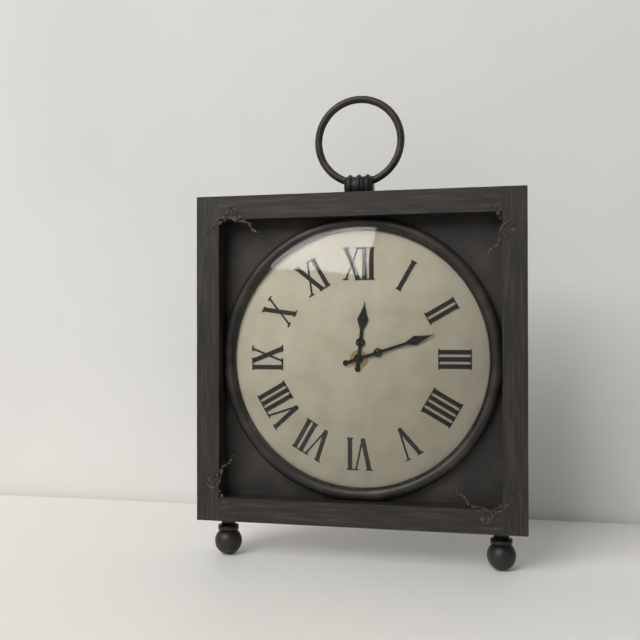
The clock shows 12 h 12 min
